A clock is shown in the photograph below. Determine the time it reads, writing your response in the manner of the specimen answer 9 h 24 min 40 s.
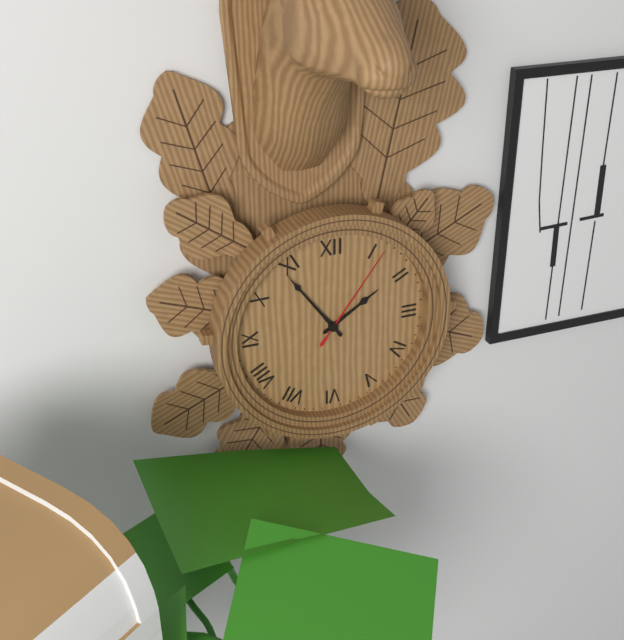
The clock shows 1 h 54 min 06 s
